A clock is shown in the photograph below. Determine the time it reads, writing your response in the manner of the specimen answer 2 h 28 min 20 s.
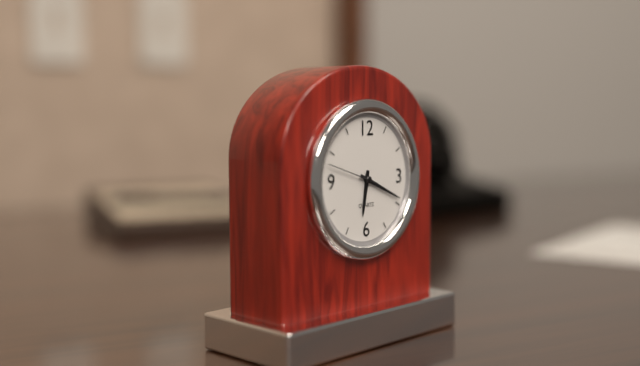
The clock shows 6 h 19 min 48 s
